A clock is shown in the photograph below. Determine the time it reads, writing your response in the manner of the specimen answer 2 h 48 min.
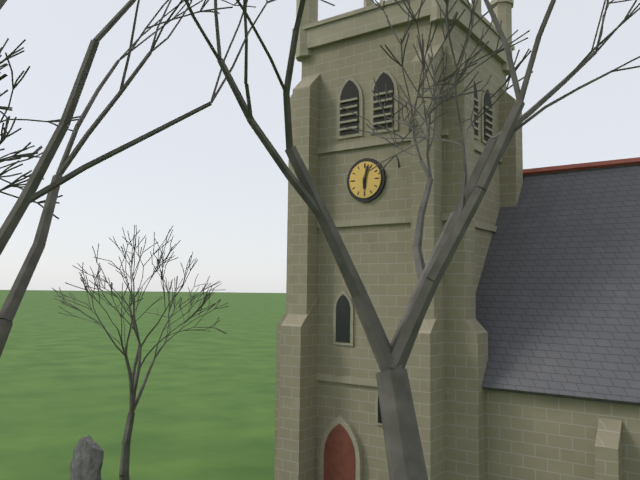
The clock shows 6 h 03 min
